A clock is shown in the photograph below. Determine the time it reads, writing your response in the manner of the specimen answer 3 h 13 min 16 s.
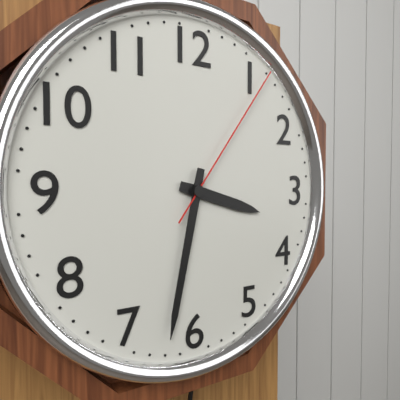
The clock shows 3 h 32 min 06 s
